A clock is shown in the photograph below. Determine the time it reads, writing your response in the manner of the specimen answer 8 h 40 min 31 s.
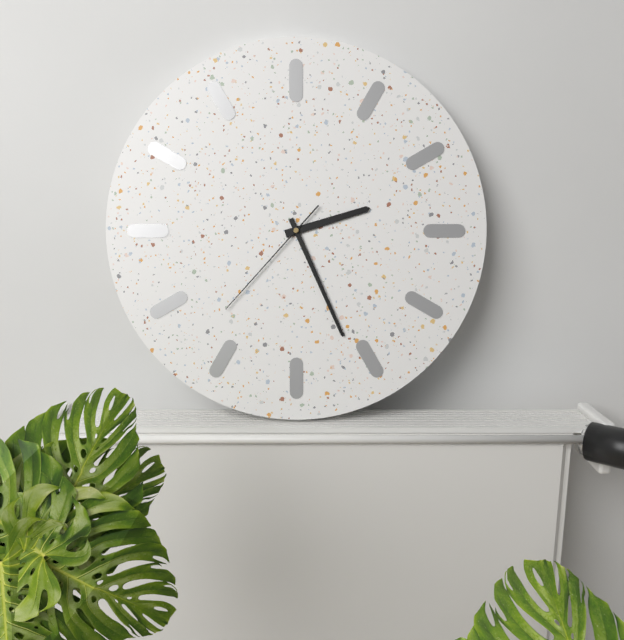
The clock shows 2 h 26 min 37 s
